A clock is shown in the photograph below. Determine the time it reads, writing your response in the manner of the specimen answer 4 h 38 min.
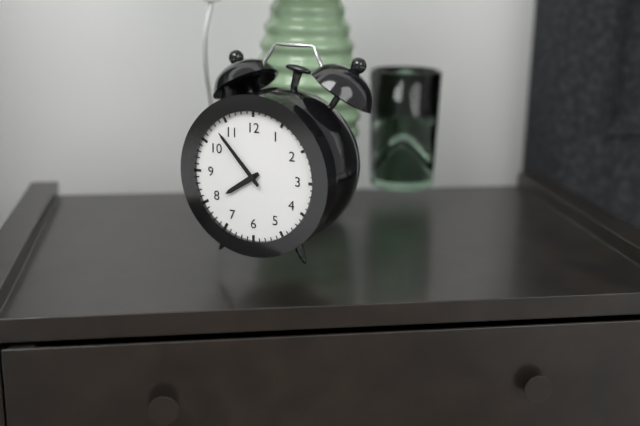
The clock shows 7 h 53 min
